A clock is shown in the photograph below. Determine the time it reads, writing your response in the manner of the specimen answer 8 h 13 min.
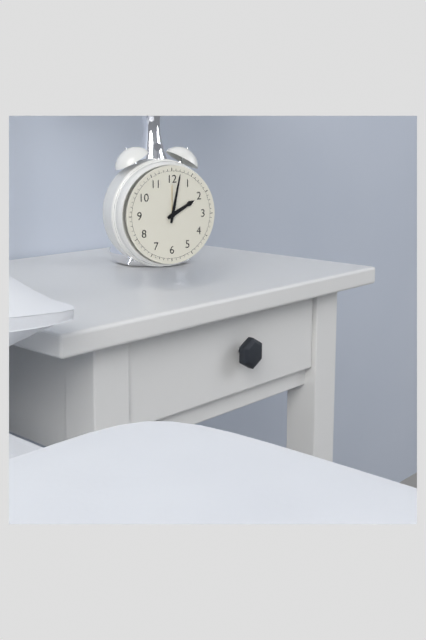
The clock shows 2 h 02 min
